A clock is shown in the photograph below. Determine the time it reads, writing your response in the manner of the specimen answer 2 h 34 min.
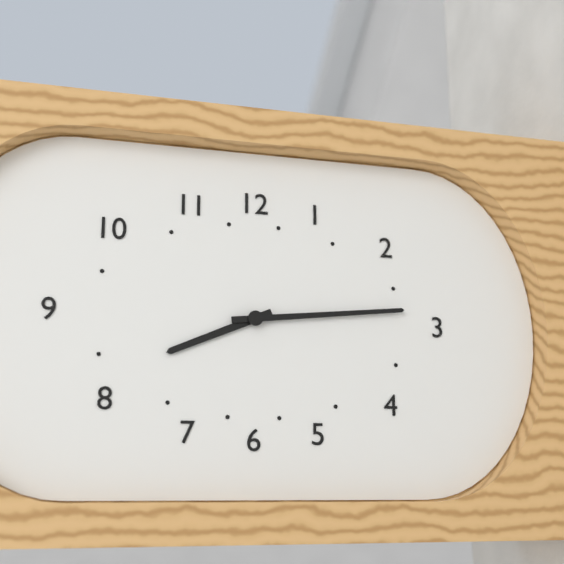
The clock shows 8 h 14 min
